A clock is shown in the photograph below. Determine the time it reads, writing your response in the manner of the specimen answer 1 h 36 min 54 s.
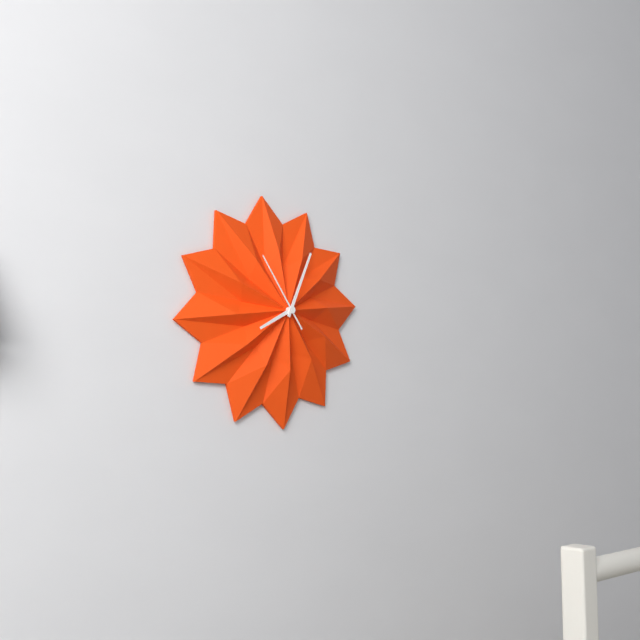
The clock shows 8 h 04 min 54 s
